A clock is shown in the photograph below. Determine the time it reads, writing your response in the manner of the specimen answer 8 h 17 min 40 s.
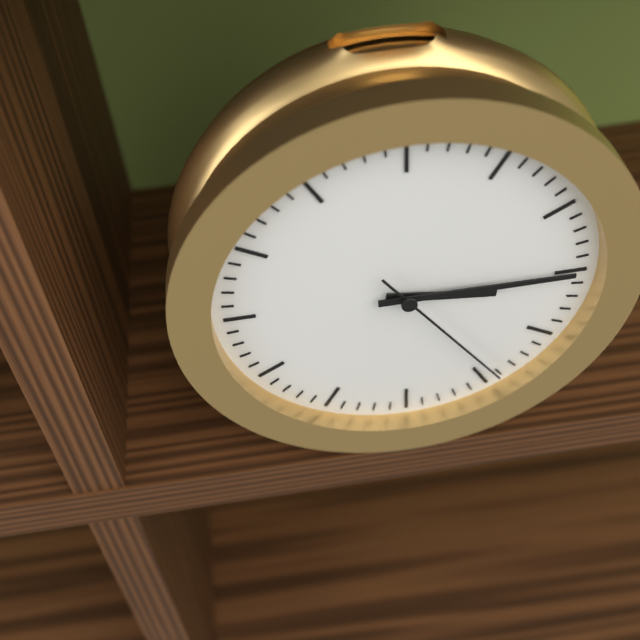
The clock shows 3 h 15 min 24 s
